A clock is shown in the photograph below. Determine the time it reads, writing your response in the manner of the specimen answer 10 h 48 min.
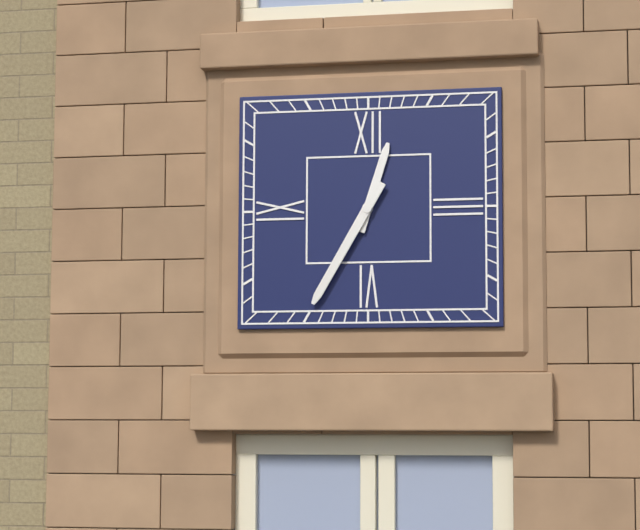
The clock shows 12 h 35 min
